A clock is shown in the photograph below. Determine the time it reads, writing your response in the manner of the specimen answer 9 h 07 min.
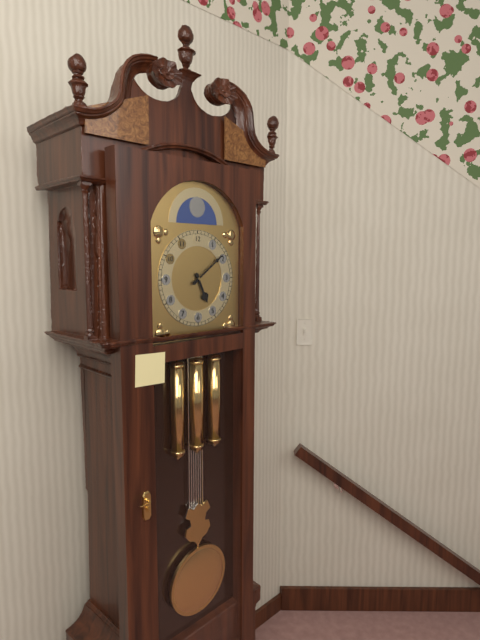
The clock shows 5 h 09 min
